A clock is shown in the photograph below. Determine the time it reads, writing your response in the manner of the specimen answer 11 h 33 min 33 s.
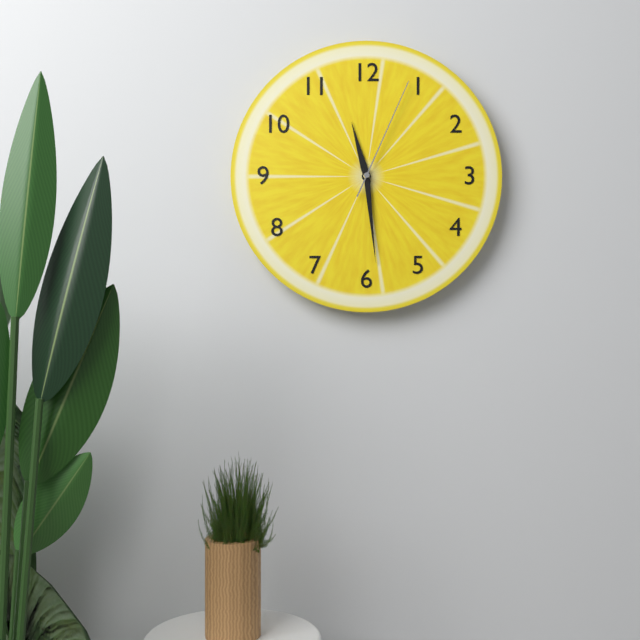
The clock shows 11 h 29 min 04 s
